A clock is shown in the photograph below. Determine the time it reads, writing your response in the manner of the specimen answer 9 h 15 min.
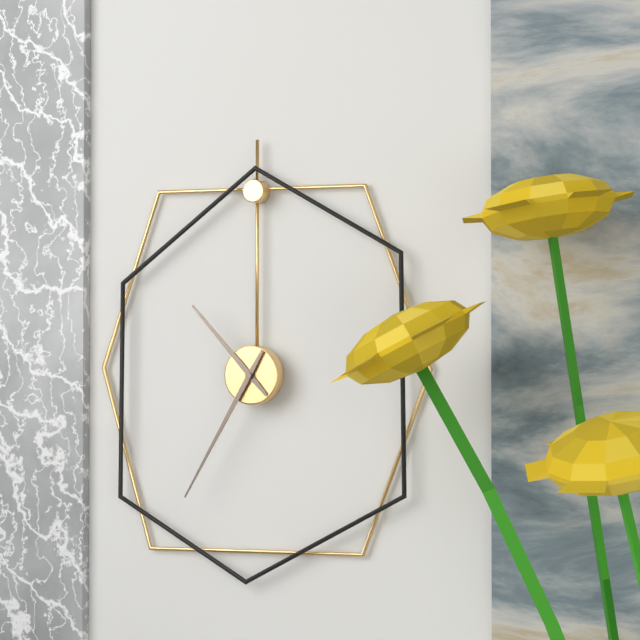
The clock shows 10 h 35 min
